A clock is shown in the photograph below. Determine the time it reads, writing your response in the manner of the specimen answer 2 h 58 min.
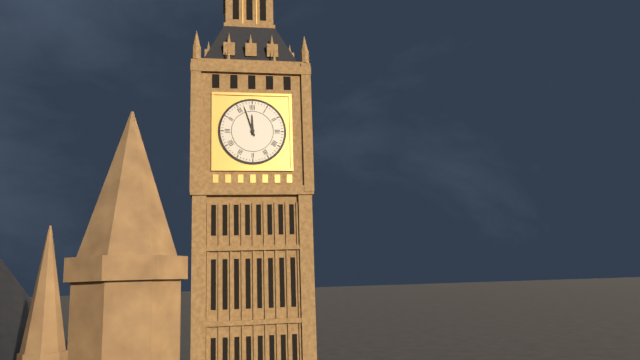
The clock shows 11 h 57 min
